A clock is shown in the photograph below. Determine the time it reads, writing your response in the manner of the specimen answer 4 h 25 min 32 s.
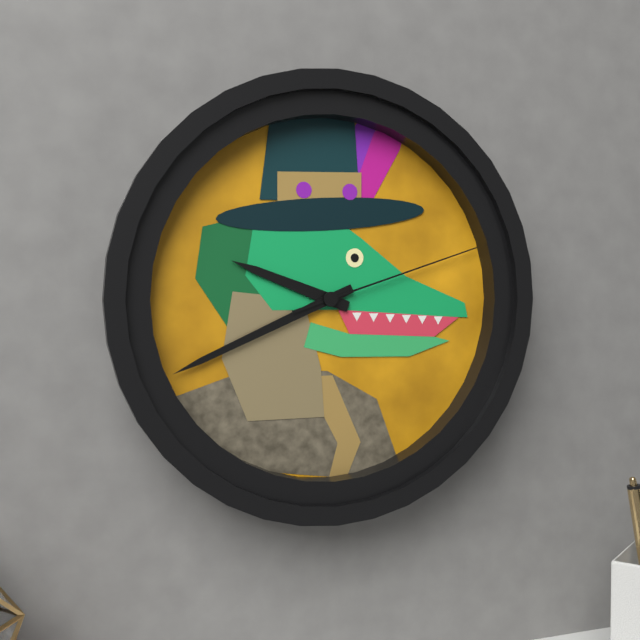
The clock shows 9 h 41 min 12 s
